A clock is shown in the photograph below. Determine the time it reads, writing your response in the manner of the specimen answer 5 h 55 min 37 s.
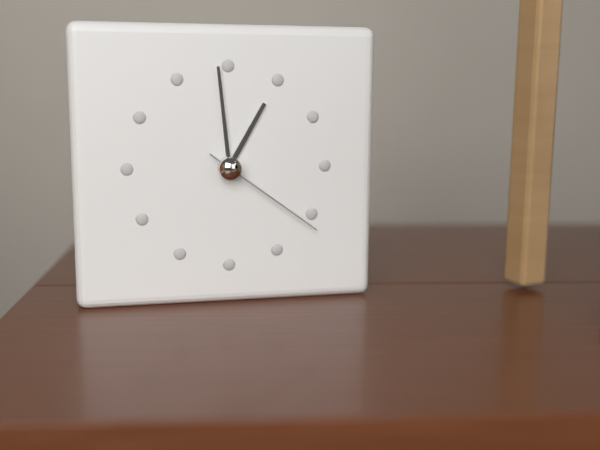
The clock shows 12 h 59 min 21 s
